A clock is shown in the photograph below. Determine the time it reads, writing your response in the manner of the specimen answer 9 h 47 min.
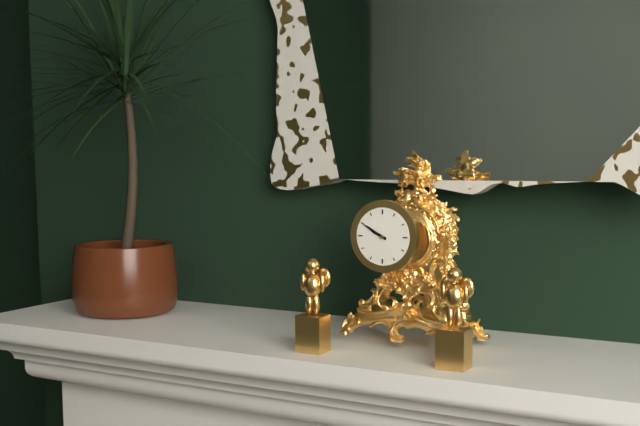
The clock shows 9 h 50 min
